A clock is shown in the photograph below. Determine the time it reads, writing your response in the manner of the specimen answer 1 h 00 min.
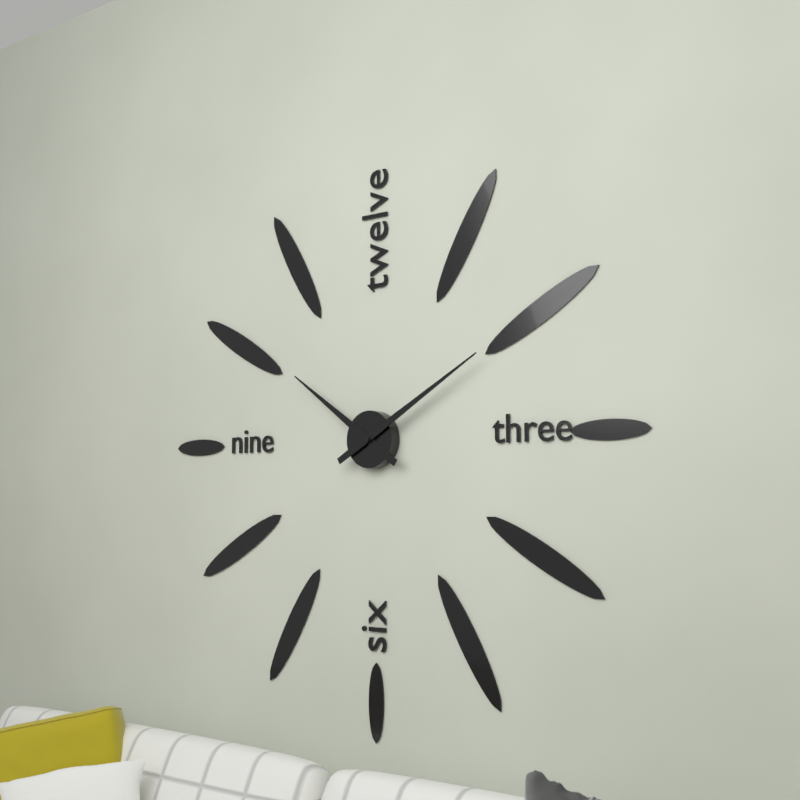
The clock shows 10 h 10 min
